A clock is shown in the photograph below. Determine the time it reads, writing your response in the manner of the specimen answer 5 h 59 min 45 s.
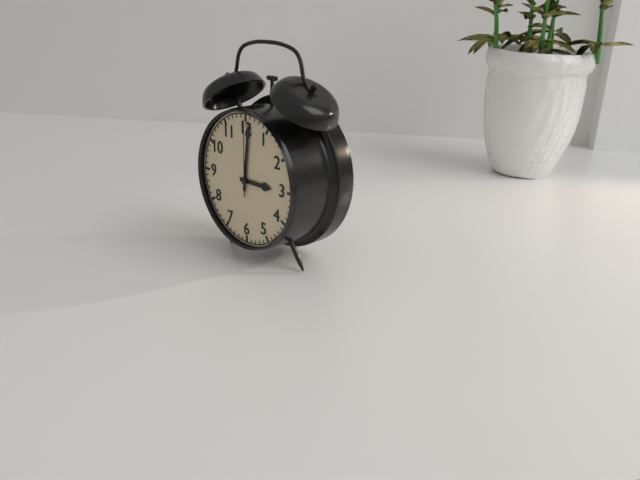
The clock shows 3 h 01 min 00 s
